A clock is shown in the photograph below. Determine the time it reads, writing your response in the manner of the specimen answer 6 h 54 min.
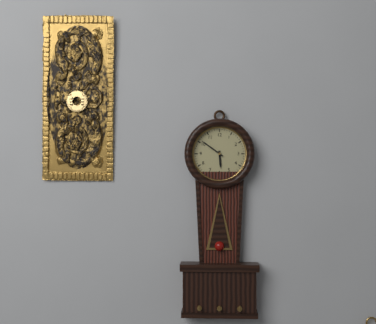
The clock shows 5 h 51 min
